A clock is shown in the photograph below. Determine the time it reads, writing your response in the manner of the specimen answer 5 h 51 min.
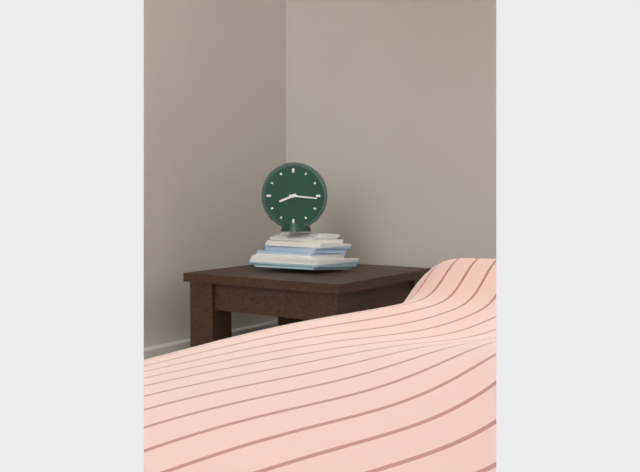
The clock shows 8 h 16 min
